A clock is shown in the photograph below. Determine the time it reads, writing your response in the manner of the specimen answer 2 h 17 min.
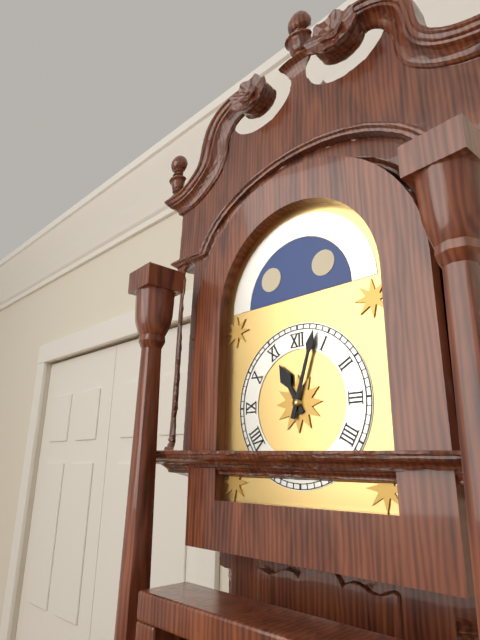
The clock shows 11 h 03 min
